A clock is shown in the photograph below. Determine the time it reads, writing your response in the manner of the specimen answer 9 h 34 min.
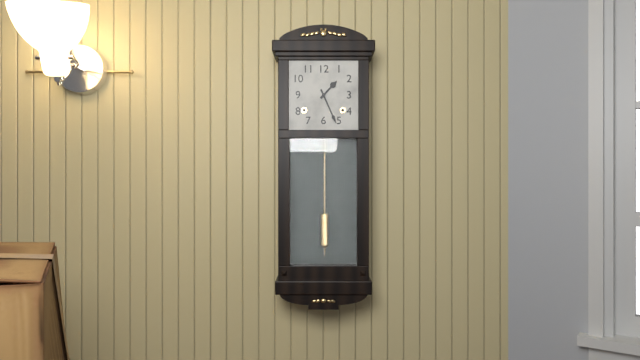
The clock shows 1 h 26 min
